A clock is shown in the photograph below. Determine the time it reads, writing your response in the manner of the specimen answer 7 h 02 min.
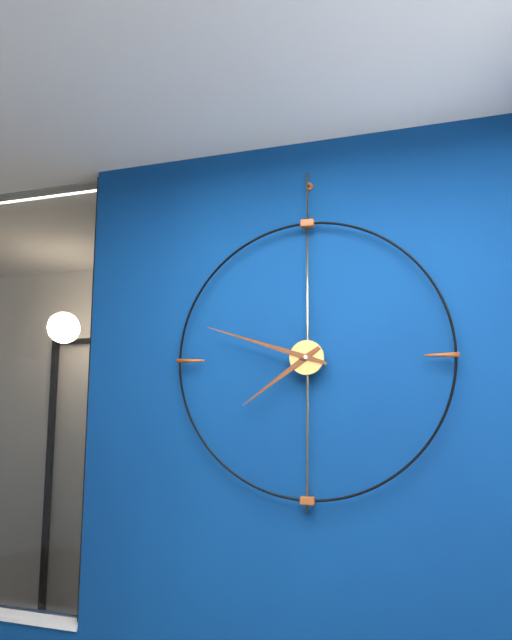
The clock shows 7 h 48 min
